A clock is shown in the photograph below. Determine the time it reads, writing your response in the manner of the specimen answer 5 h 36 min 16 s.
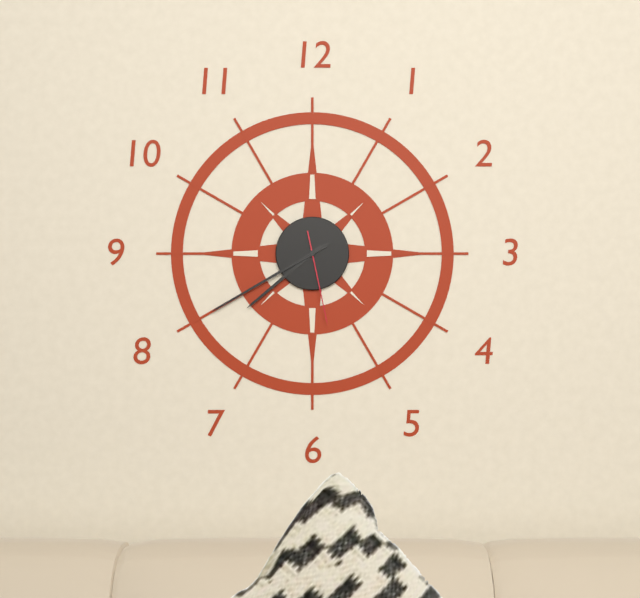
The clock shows 7 h 40 min 28 s
